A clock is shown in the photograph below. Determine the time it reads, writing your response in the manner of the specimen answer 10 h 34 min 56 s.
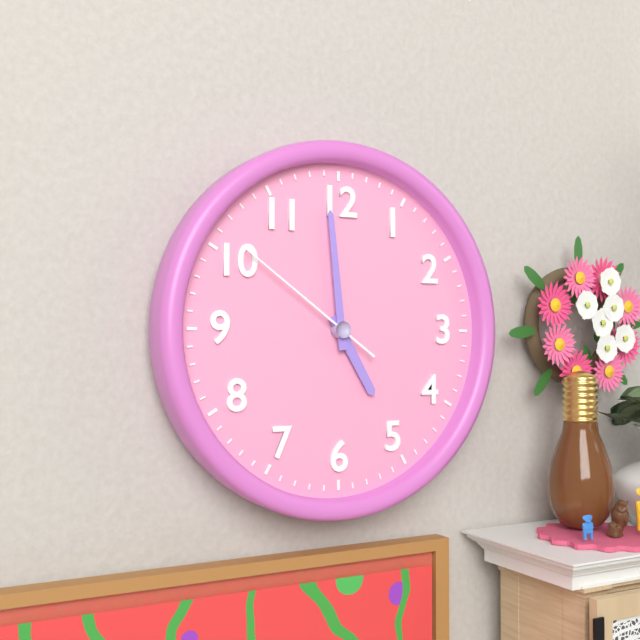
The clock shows 4 h 59 min 51 s
